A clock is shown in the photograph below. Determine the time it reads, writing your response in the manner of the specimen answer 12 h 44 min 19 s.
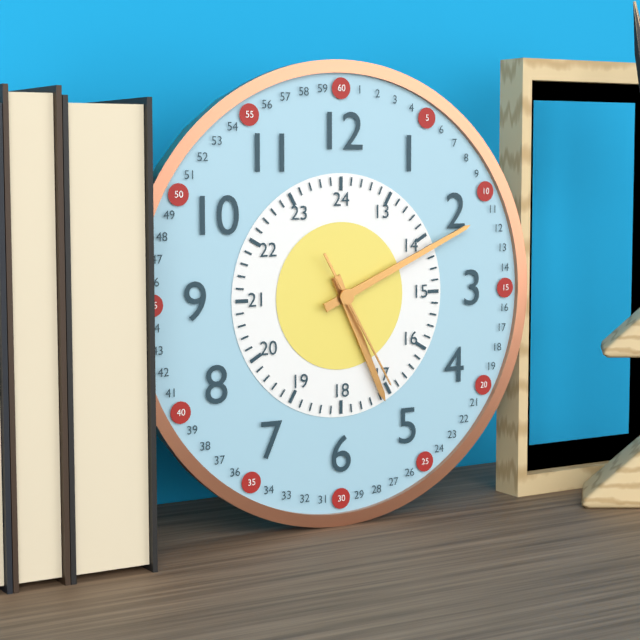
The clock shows 5 h 11 min 25 s
